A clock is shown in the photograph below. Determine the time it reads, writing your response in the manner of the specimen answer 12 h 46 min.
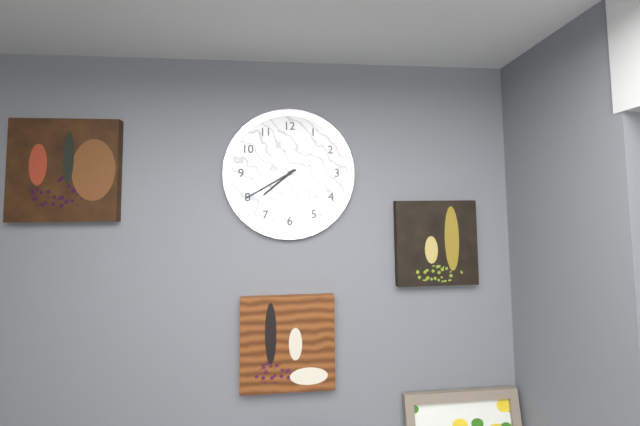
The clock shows 7 h 40 min
